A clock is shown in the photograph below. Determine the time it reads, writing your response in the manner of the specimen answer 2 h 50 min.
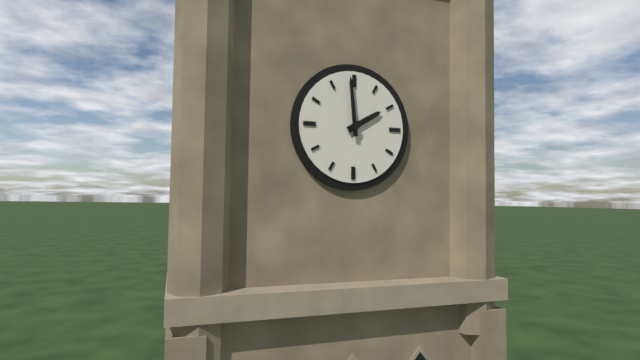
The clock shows 1 h 59 min
